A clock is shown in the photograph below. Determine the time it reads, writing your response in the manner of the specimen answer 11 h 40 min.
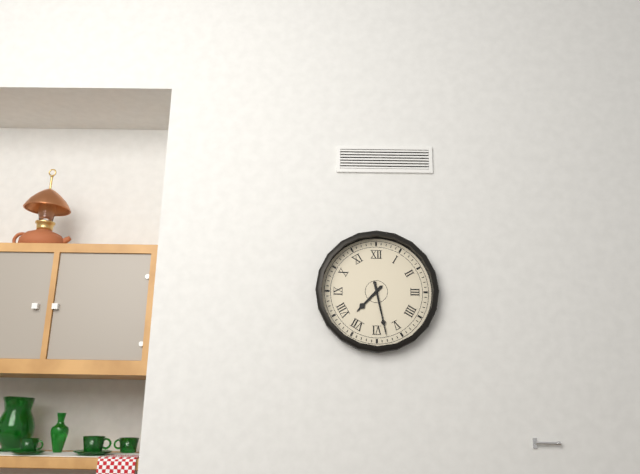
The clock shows 7 h 28 min
